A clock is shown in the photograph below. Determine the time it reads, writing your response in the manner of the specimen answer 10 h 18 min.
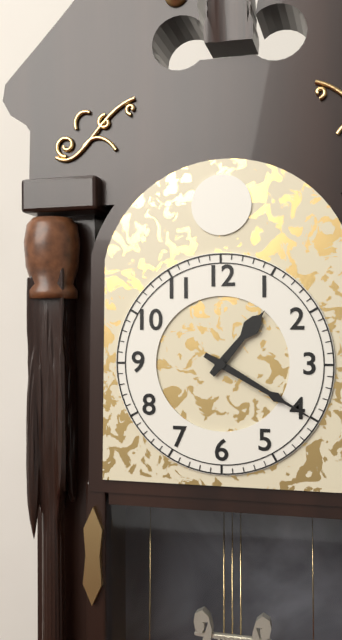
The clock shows 1 h 20 min
